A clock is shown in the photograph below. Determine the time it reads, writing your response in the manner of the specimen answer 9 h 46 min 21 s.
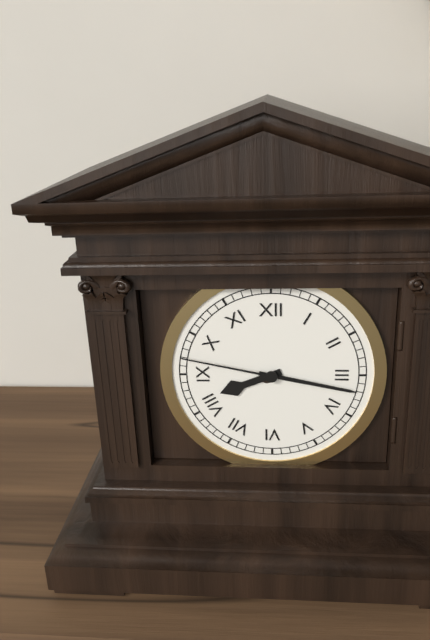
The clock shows 8 h 17 min 47 s
